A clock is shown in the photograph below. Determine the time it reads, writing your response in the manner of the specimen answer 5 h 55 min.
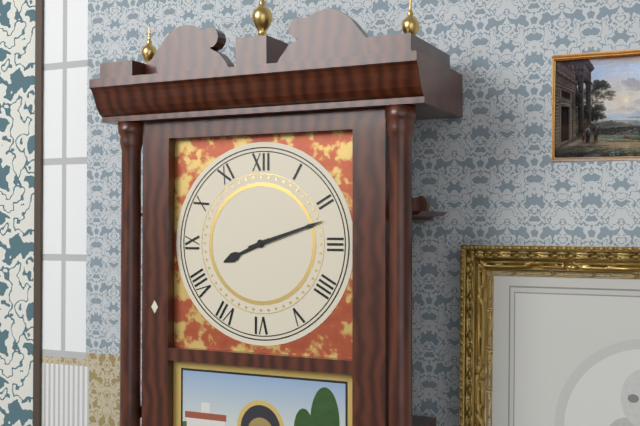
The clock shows 8 h 12 min
